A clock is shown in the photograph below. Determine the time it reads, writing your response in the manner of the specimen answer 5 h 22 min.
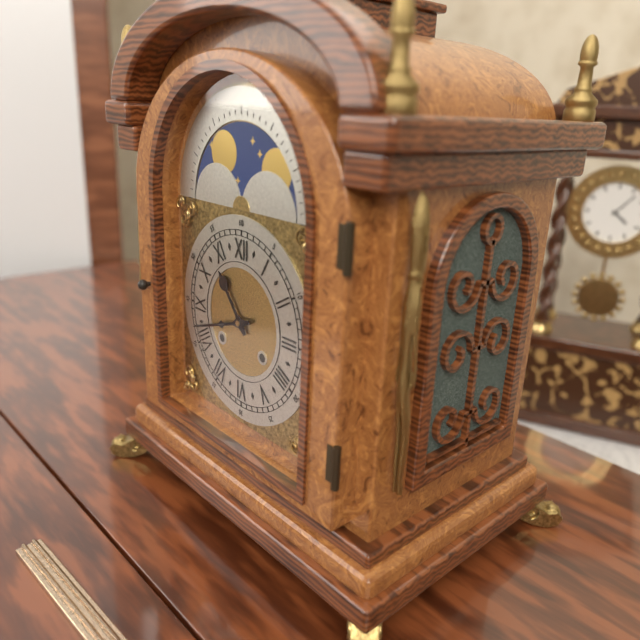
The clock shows 10 h 42 min
